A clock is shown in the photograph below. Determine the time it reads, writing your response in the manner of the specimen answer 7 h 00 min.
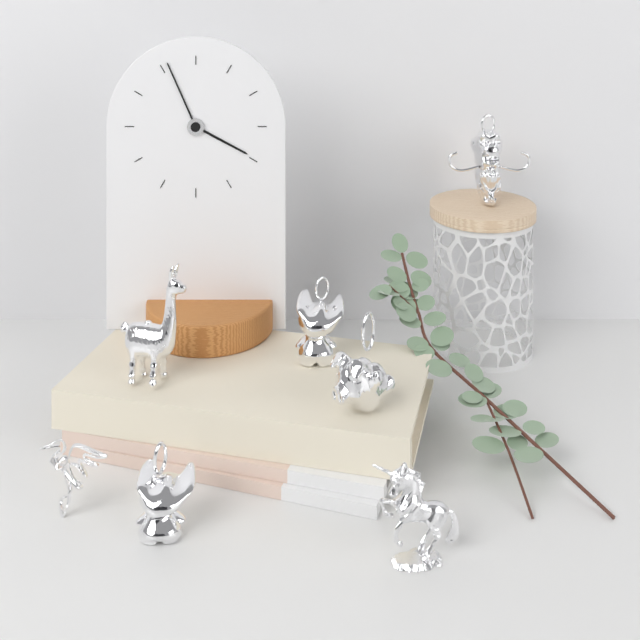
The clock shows 3 h 56 min
